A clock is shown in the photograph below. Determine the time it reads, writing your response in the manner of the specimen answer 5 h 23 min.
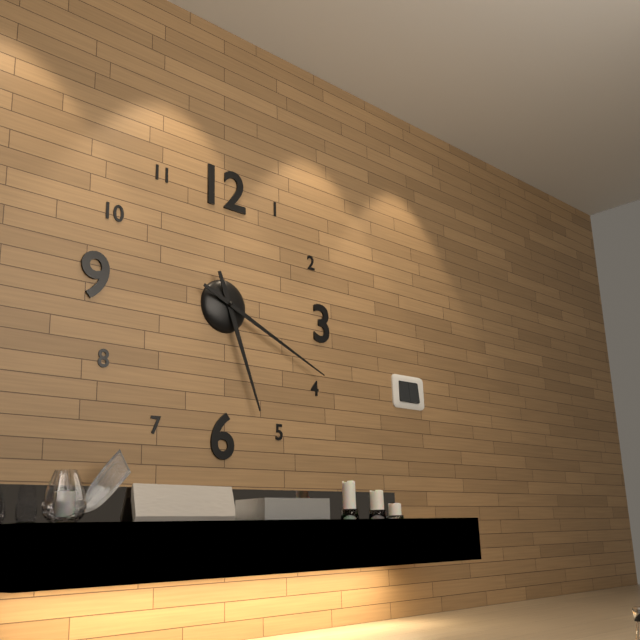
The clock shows 5 h 19 min
